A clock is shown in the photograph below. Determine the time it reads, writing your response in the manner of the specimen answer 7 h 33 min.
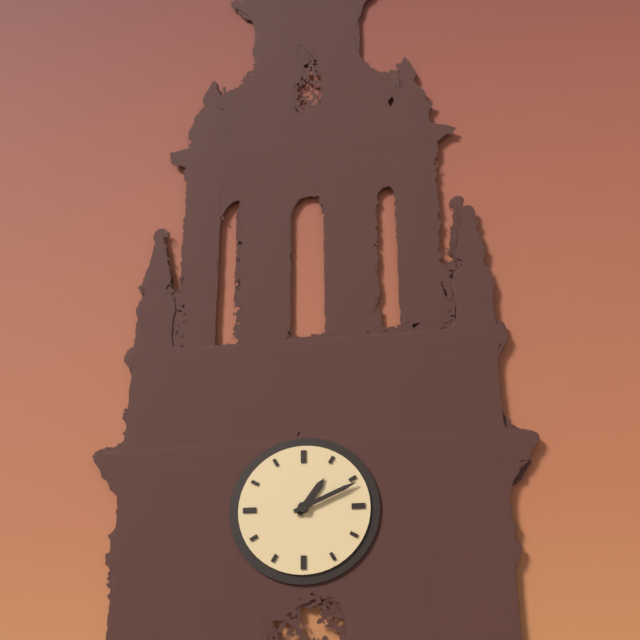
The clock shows 1 h 11 min
